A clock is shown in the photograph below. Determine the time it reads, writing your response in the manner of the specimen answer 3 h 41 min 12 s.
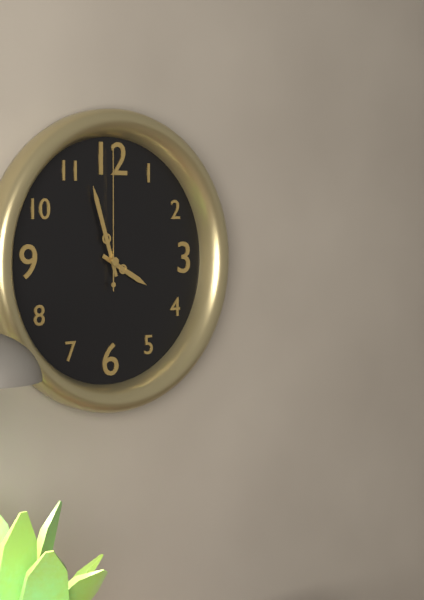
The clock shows 3 h 57 min 00 s
